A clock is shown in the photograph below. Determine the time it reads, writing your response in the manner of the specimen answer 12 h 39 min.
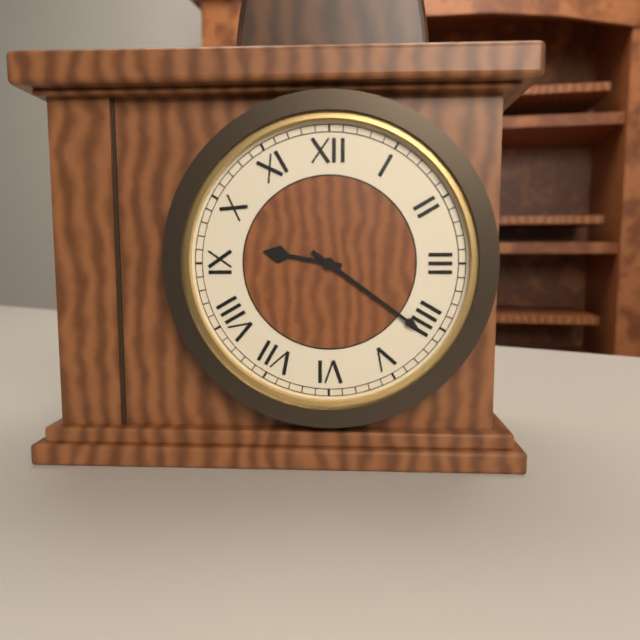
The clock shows 9 h 21 min
